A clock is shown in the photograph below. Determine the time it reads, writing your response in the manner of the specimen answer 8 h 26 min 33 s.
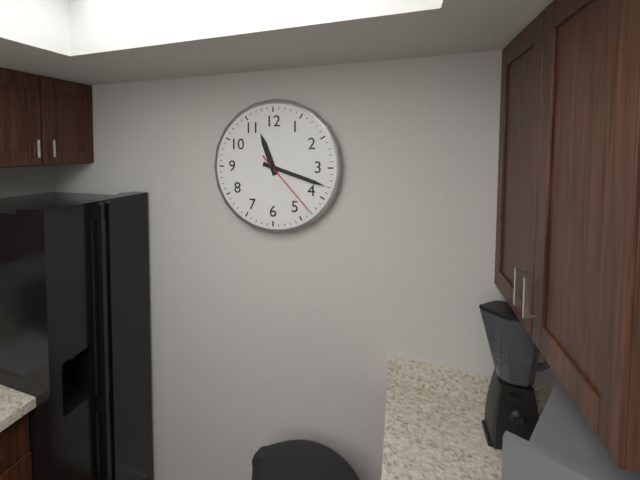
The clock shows 11 h 18 min 23 s
